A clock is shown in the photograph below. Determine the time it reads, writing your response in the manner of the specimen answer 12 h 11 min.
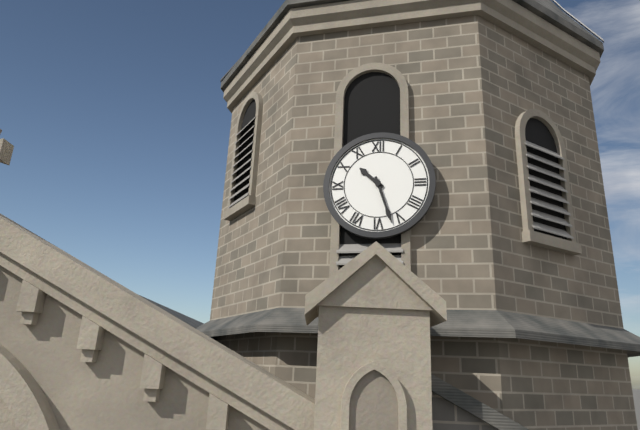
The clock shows 10 h 27 min
